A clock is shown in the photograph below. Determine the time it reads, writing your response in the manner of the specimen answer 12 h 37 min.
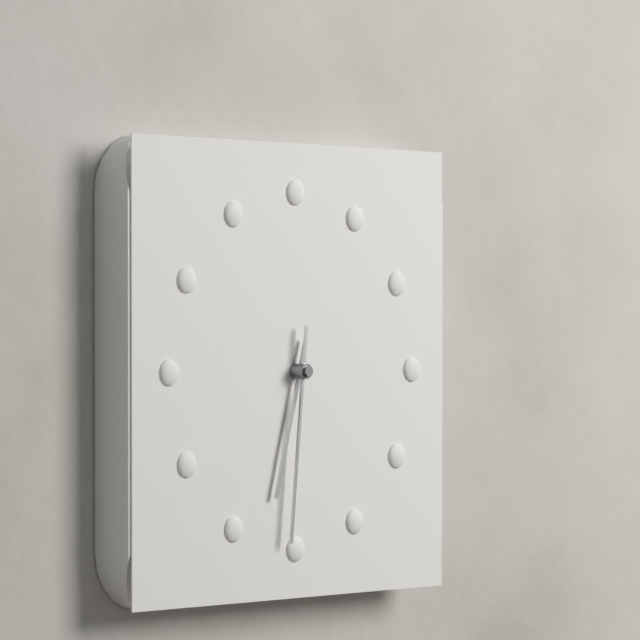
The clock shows 6 h 31 min
